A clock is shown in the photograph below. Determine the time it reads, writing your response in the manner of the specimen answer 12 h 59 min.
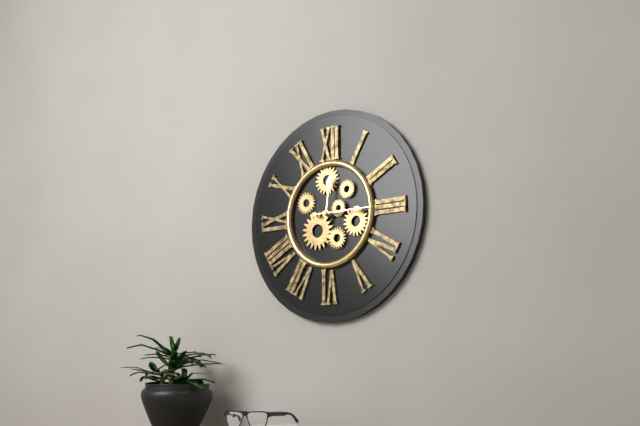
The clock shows 12 h 15 min
